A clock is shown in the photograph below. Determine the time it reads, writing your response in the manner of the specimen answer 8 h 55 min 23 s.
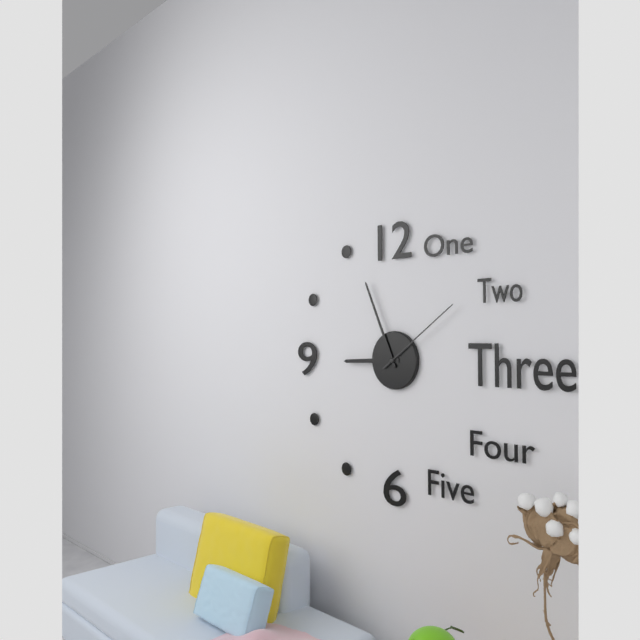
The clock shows 8 h 56 min 09 s
